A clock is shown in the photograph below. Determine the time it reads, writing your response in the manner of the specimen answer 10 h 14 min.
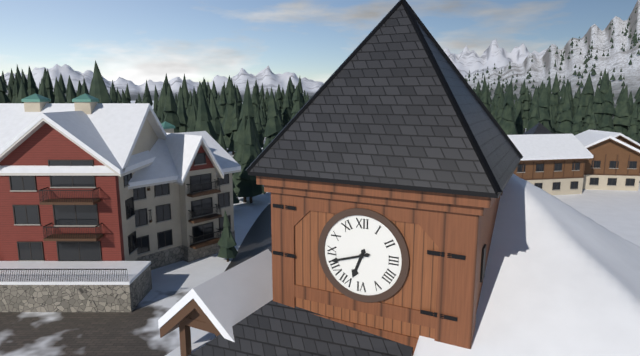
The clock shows 6 h 42 min
